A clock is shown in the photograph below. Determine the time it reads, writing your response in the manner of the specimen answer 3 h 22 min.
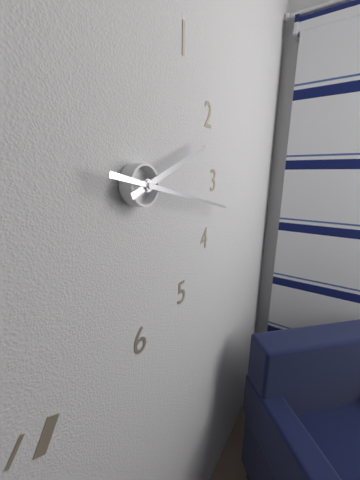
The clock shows 2 h 17 min
